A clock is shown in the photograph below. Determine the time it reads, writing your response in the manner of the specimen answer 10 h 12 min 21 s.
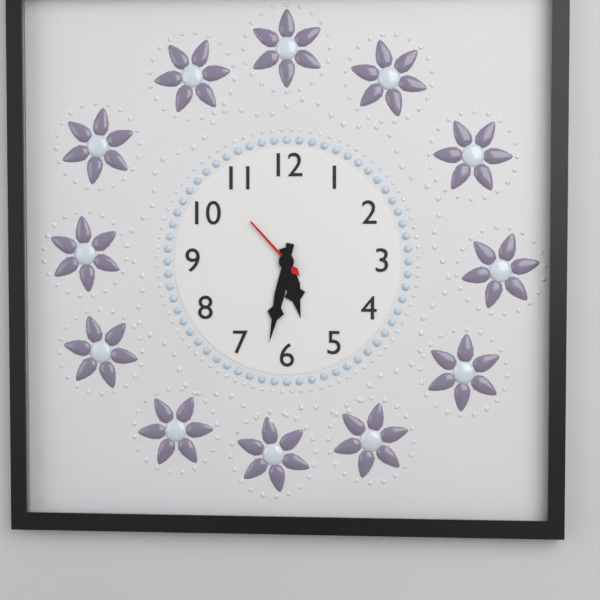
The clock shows 5 h 32 min 53 s
